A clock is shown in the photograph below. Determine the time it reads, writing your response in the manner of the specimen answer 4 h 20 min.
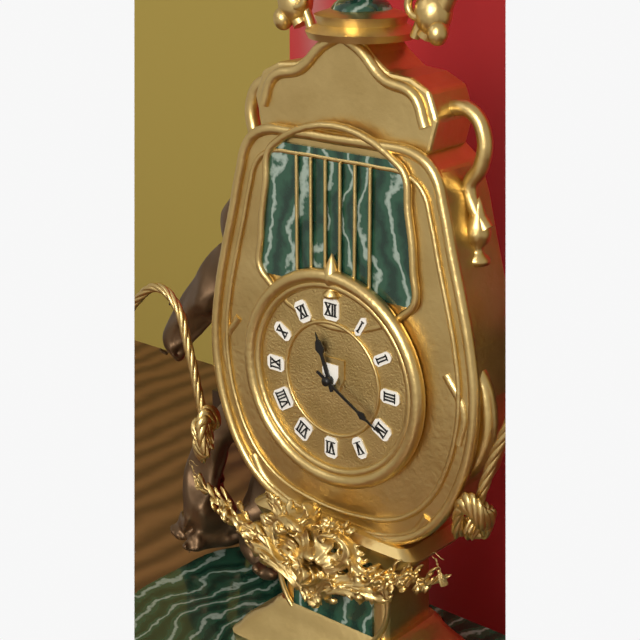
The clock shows 11 h 20 min
